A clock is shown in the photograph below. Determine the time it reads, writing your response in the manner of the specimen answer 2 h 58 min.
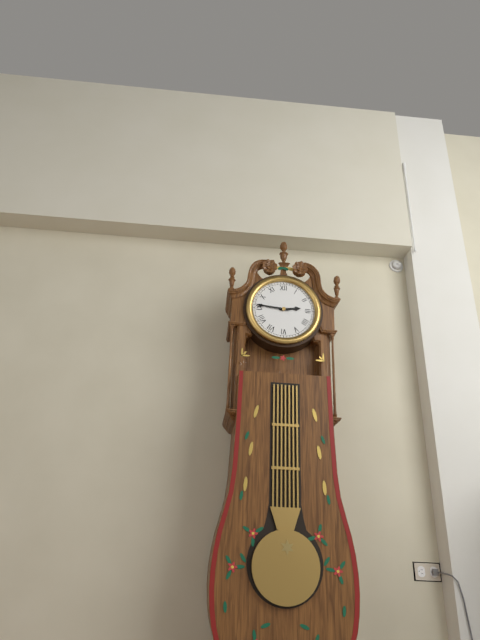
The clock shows 2 h 46 min
